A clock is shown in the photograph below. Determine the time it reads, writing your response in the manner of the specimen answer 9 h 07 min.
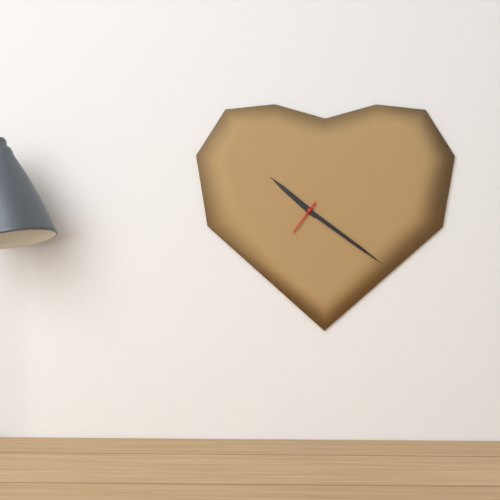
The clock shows 10 h 21 min
